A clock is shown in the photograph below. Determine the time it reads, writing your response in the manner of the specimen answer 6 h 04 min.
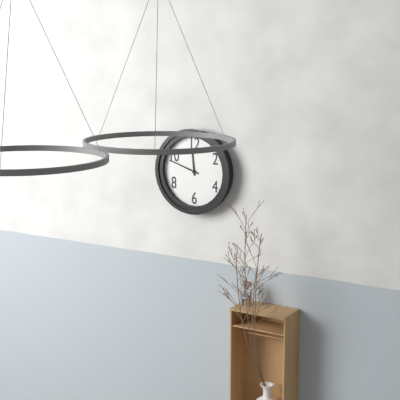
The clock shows 11 h 48 min
